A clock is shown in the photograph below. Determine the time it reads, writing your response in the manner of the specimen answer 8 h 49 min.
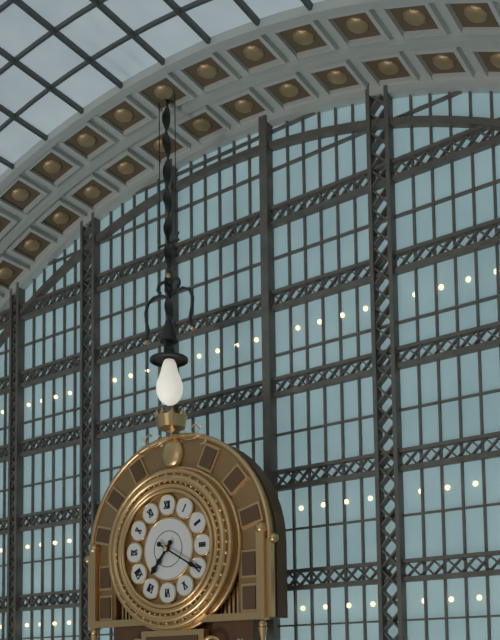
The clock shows 7 h 20 min
